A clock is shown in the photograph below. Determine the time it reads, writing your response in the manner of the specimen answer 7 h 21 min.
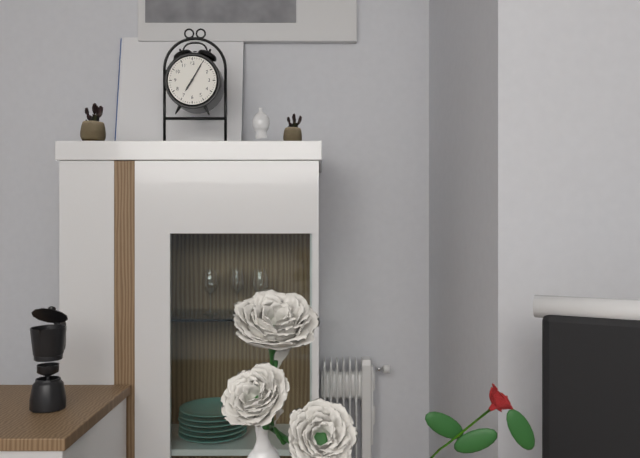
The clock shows 7 h 05 min
